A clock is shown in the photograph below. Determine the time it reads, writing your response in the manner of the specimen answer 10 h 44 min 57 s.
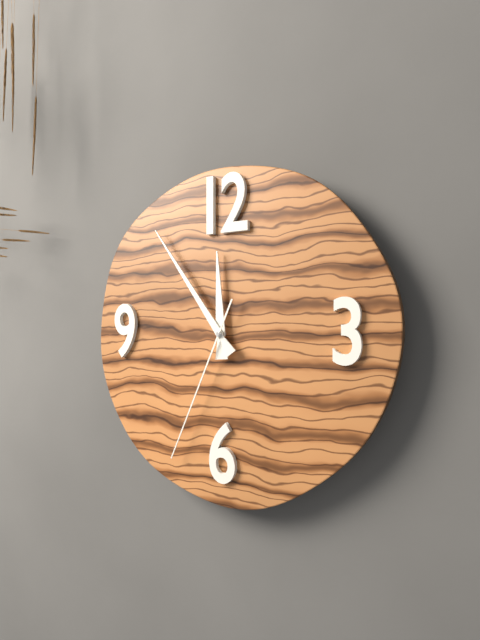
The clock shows 11 h 54 min 34 s
